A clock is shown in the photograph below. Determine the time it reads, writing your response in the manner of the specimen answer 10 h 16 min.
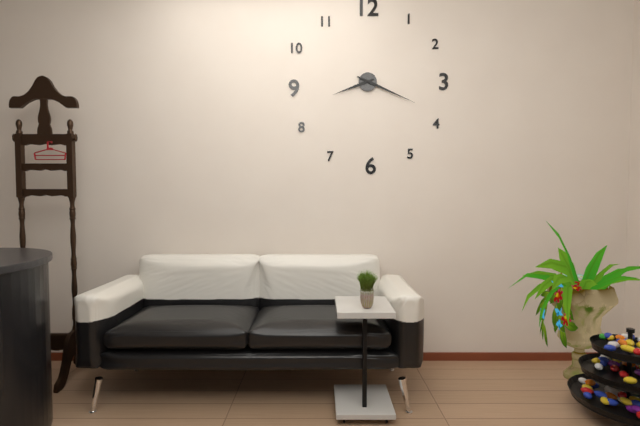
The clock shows 8 h 19 min
